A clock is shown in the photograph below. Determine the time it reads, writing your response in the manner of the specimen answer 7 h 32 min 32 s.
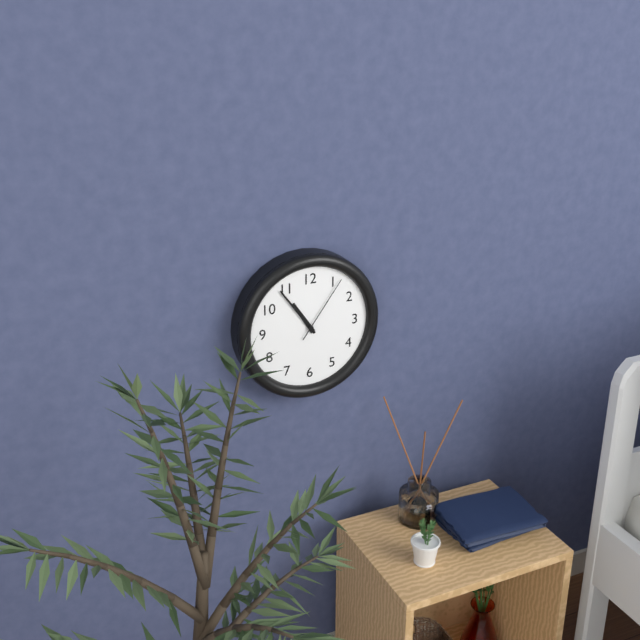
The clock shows 10 h 54 min 06 s
